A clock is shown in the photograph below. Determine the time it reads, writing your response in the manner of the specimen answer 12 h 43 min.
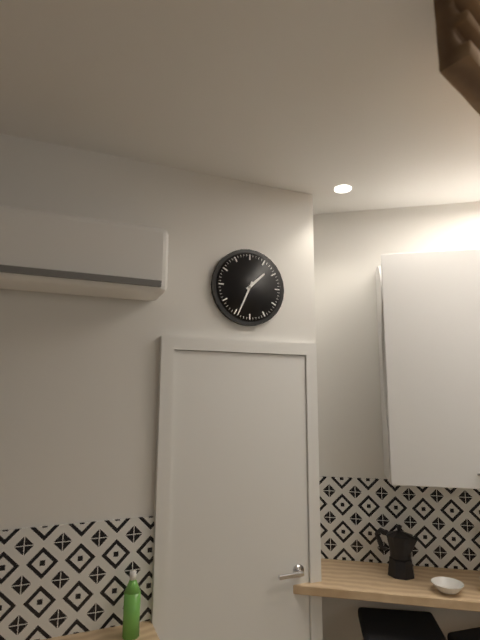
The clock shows 1 h 34 min
